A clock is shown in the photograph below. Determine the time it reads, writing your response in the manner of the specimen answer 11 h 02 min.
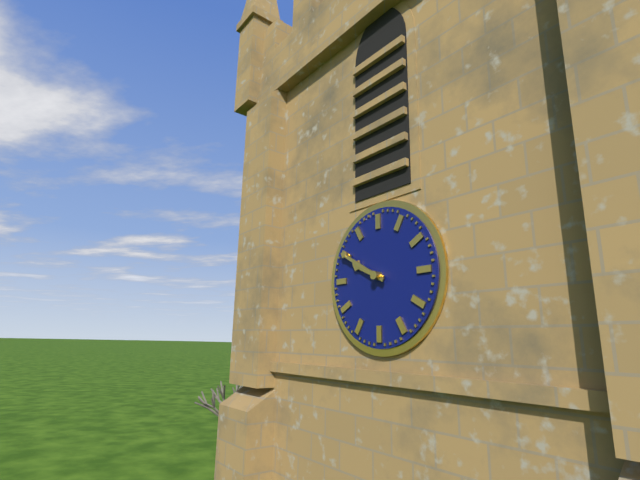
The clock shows 9 h 50 min
